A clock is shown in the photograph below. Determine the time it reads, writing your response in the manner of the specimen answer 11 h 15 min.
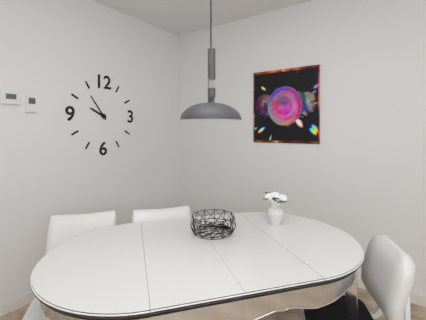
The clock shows 9 h 54 min
